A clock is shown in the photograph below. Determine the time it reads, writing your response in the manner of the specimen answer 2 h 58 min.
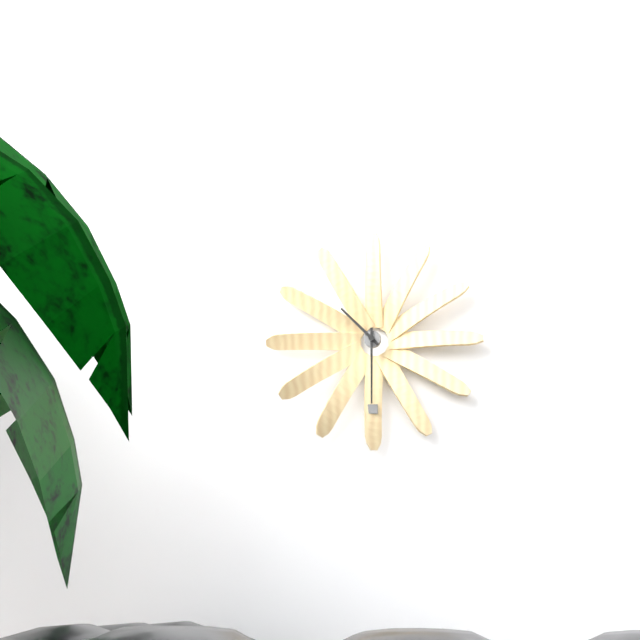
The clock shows 10 h 30 min
